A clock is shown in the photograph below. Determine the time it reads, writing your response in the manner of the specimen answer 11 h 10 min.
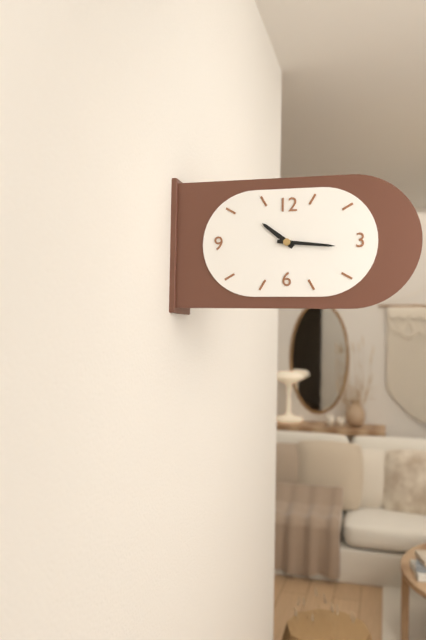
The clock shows 10 h 16 min
